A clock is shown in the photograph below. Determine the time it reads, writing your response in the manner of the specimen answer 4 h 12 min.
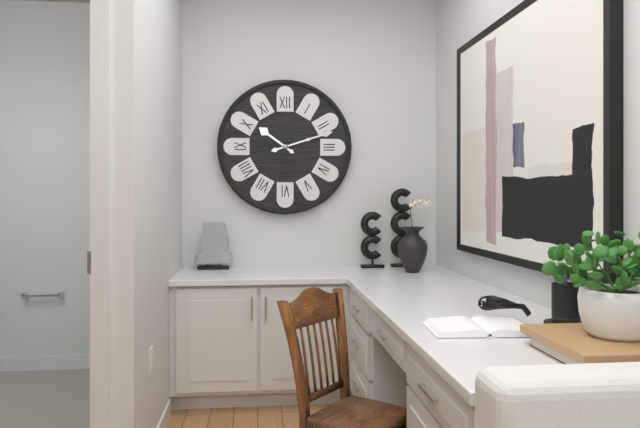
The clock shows 10 h 12 min
